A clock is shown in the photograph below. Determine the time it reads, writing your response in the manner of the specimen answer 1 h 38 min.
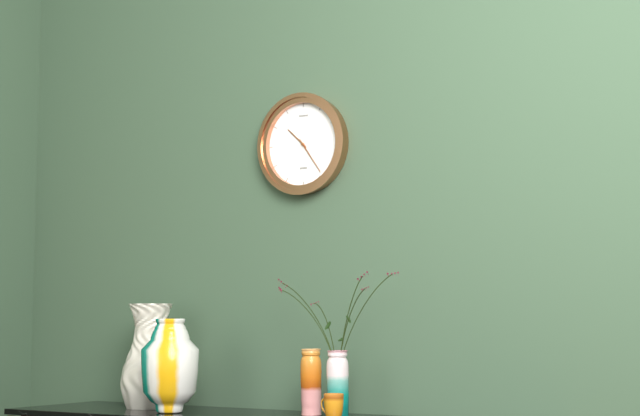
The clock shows 10 h 24 min
